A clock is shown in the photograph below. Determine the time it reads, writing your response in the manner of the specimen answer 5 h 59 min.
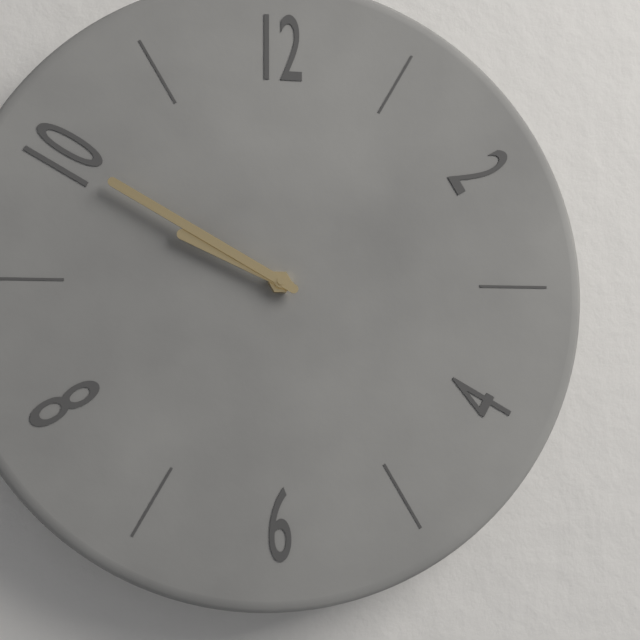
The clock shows 9 h 50 min
